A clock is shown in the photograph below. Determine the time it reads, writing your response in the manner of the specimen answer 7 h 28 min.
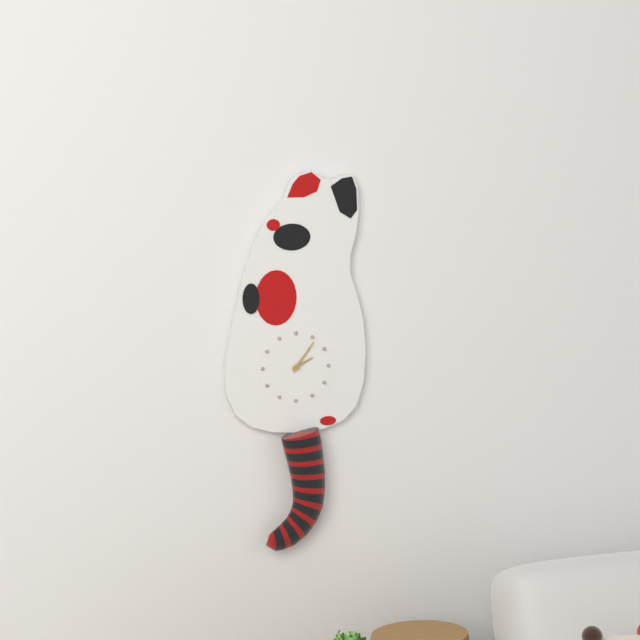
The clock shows 2 h 06 min
